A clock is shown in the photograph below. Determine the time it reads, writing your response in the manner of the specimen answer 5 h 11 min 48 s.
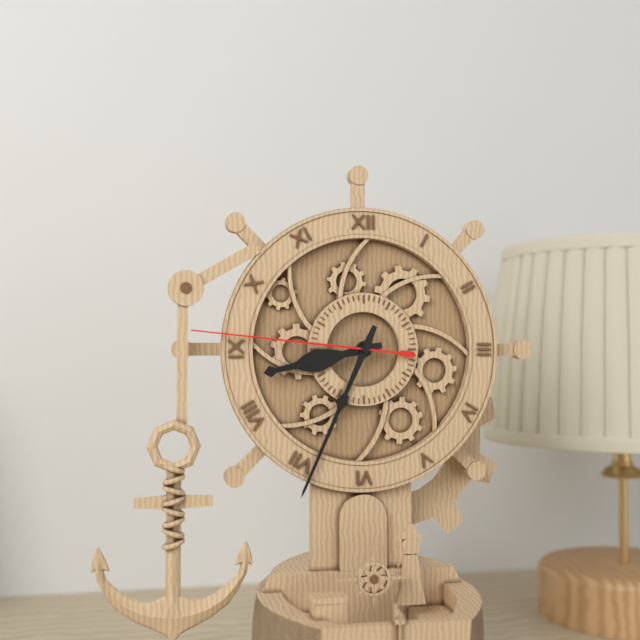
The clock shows 8 h 34 min 46 s
